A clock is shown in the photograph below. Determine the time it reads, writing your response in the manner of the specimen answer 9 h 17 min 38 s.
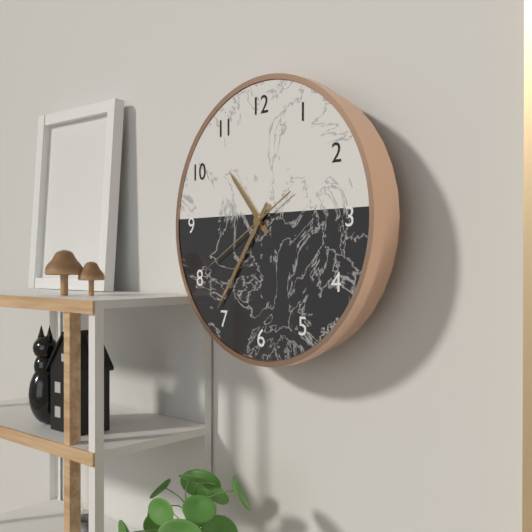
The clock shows 10 h 36 min 40 s
